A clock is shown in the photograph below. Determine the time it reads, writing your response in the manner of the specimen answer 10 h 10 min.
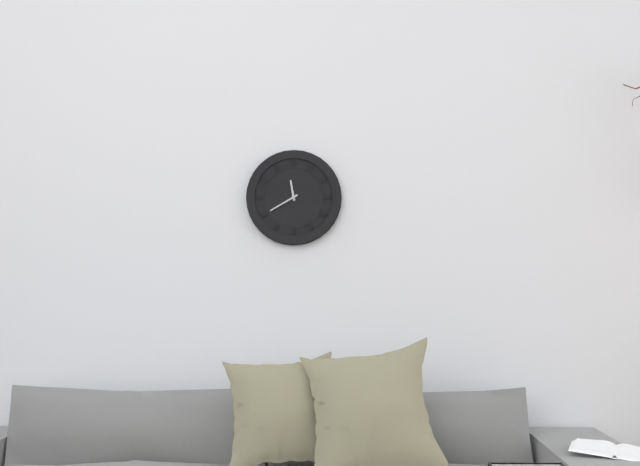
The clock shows 11 h 40 min
